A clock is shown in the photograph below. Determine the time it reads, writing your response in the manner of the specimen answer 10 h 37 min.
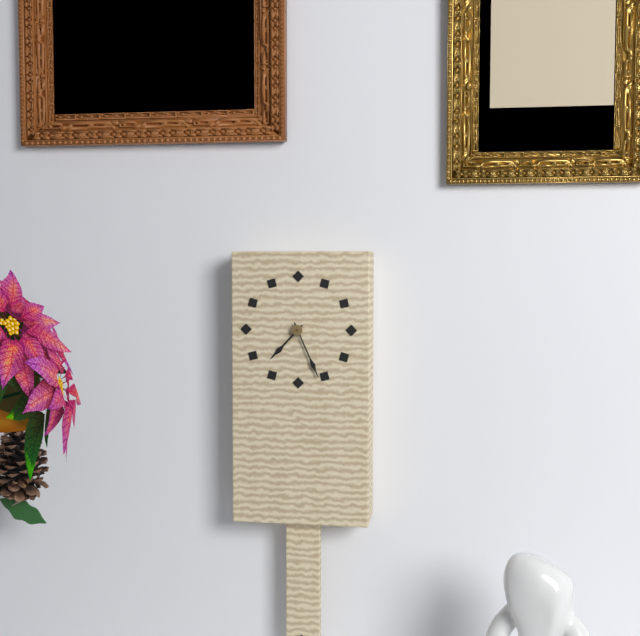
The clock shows 7 h 26 min
